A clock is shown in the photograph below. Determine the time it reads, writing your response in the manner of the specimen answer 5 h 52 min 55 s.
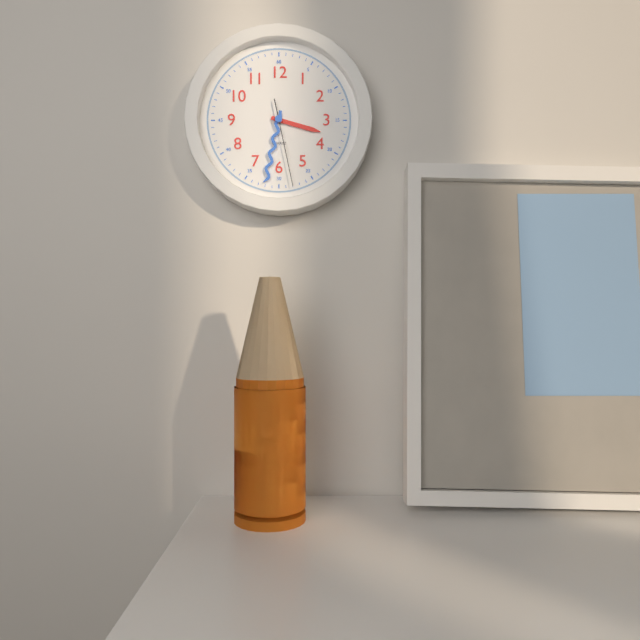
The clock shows 3 h 32 min 28 s
